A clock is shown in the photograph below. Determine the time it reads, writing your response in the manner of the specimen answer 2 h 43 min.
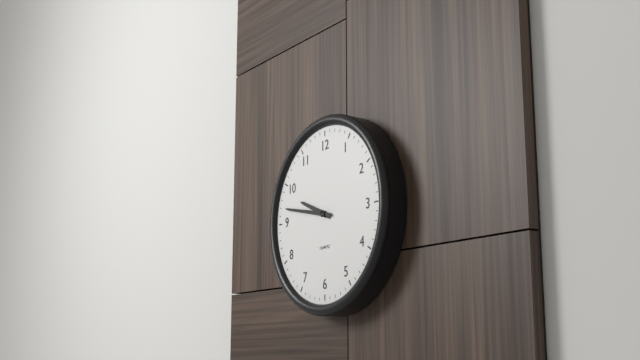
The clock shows 9 h 47 min
